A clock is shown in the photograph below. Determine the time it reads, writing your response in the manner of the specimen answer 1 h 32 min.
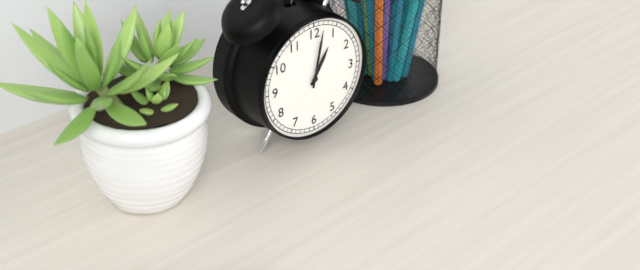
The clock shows 1 h 02 min
